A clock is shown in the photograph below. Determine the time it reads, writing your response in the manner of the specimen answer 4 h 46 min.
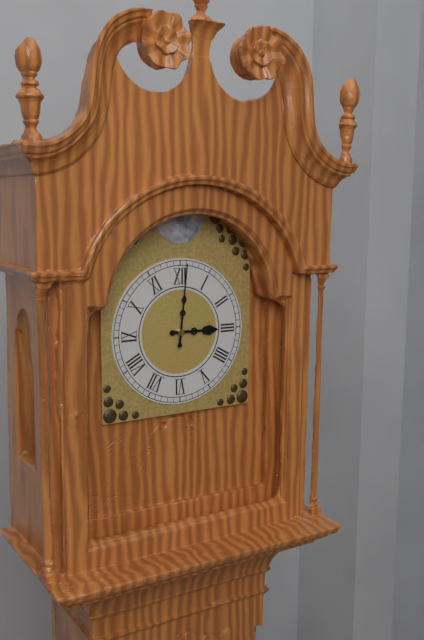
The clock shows 3 h 01 min
